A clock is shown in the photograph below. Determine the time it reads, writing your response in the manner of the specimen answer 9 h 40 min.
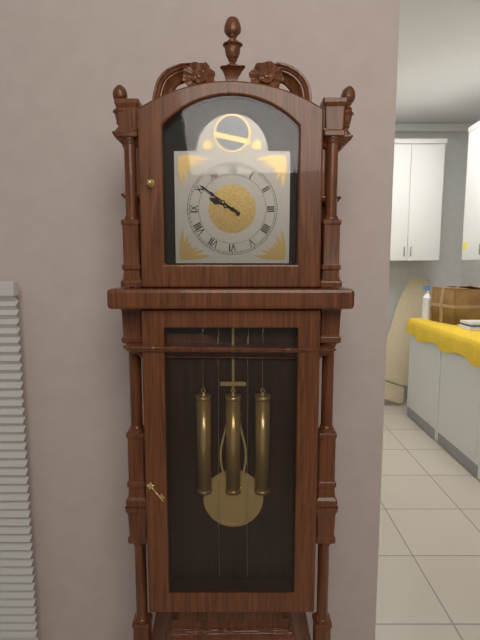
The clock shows 9 h 51 min
